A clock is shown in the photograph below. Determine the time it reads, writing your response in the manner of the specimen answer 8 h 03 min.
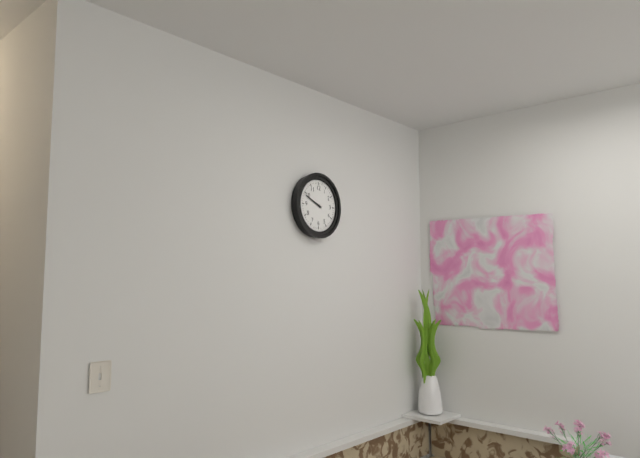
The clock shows 9 h 49 min
